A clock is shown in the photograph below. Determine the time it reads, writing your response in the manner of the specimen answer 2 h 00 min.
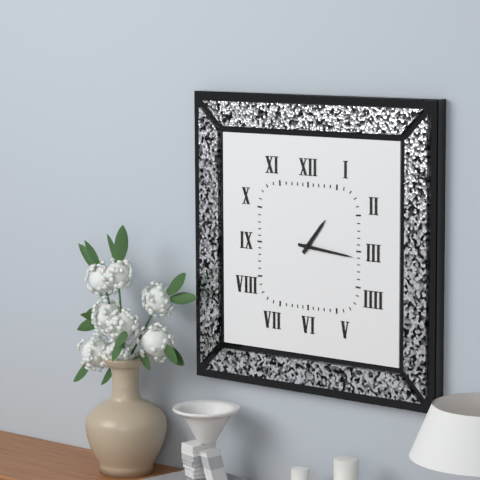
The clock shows 1 h 16 min
